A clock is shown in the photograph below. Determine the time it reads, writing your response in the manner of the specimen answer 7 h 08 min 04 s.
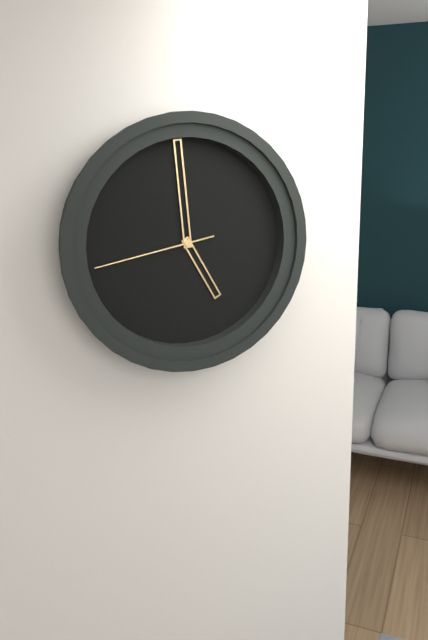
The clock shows 4 h 59 min 43 s
